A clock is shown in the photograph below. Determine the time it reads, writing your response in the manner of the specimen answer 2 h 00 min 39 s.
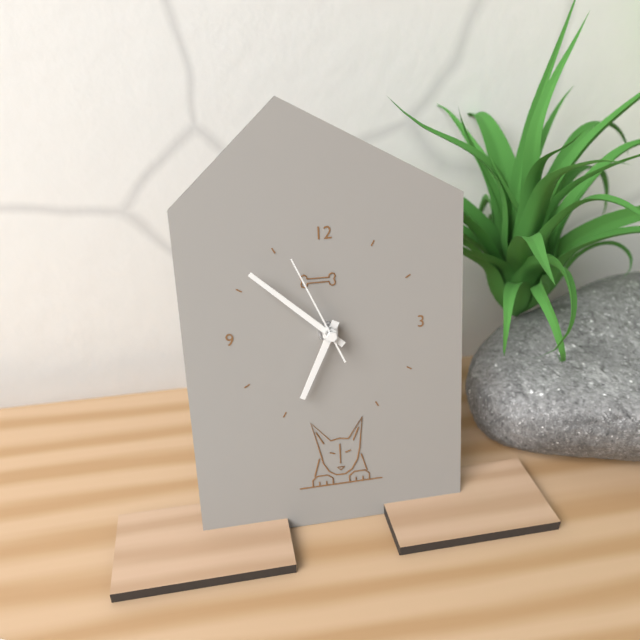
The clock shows 6 h 52 min 56 s
